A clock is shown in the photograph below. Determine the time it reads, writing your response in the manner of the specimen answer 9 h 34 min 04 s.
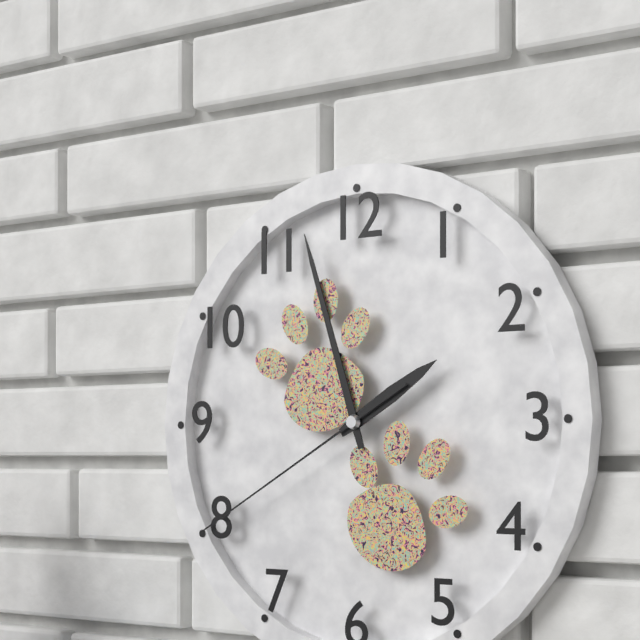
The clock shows 1 h 57 min 40 s
